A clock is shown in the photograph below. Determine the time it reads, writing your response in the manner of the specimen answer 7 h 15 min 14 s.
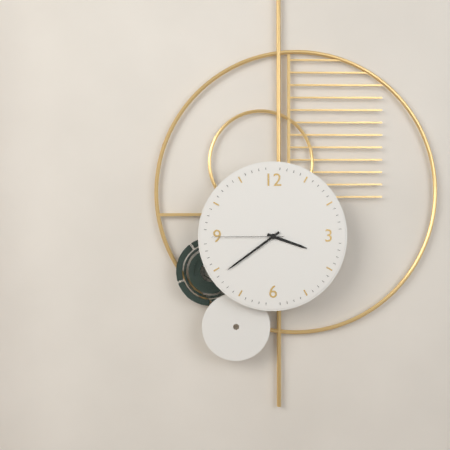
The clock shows 3 h 39 min 45 s
